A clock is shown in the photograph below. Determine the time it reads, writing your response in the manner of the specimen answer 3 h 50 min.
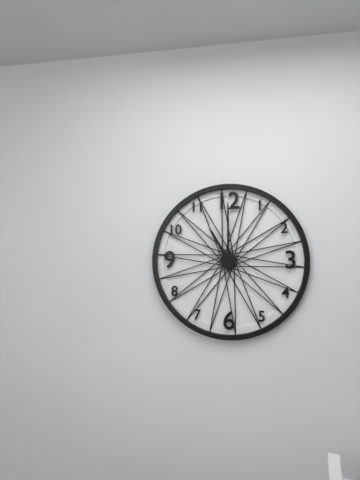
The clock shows 11 h 00 min
